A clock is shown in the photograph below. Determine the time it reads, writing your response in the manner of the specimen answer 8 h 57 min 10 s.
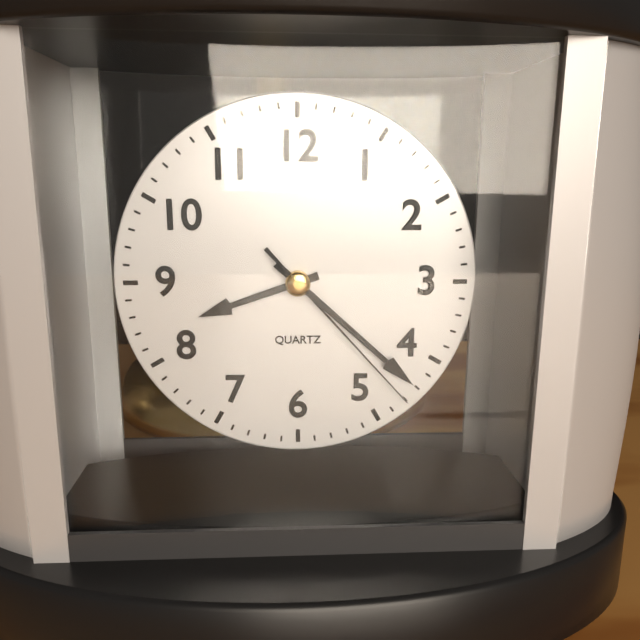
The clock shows 8 h 22 min 23 s
